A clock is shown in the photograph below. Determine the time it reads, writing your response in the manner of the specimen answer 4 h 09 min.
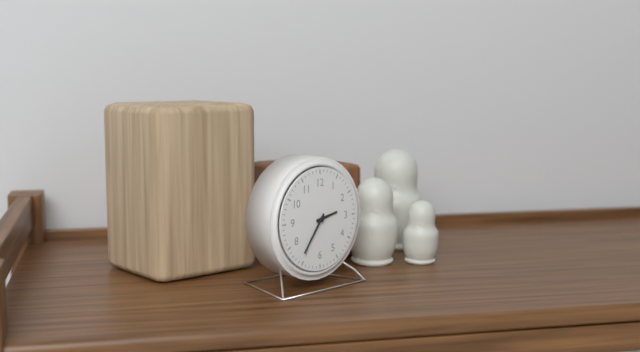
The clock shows 2 h 36 min
